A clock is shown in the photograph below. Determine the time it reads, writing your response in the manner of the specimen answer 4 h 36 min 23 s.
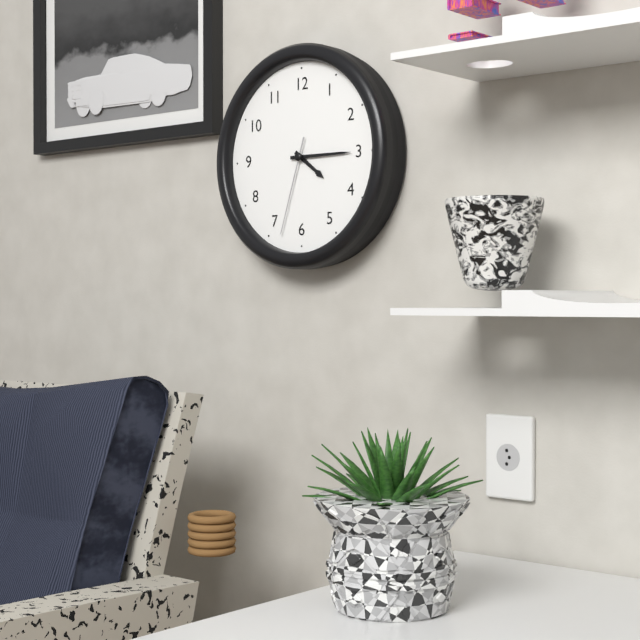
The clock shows 4 h 15 min 33 s
